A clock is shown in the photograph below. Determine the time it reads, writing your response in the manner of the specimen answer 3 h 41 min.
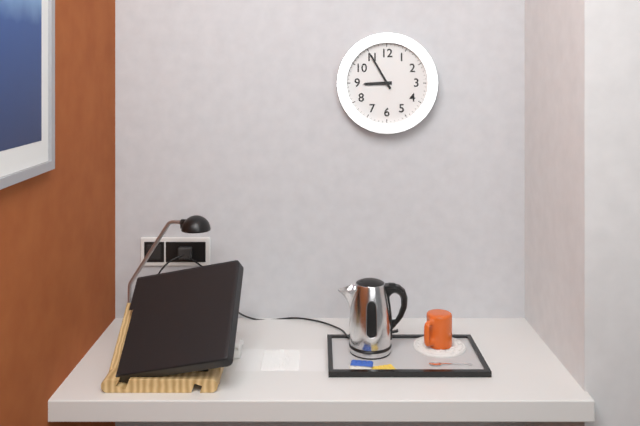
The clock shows 8 h 55 min
